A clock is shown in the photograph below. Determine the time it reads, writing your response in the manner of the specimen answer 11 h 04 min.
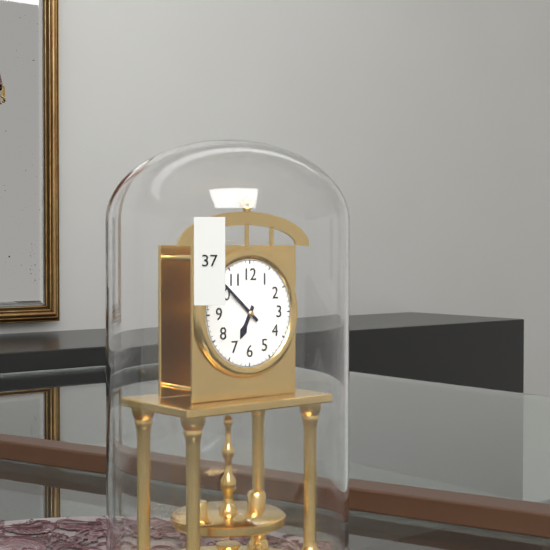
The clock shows 6 h 52 min
